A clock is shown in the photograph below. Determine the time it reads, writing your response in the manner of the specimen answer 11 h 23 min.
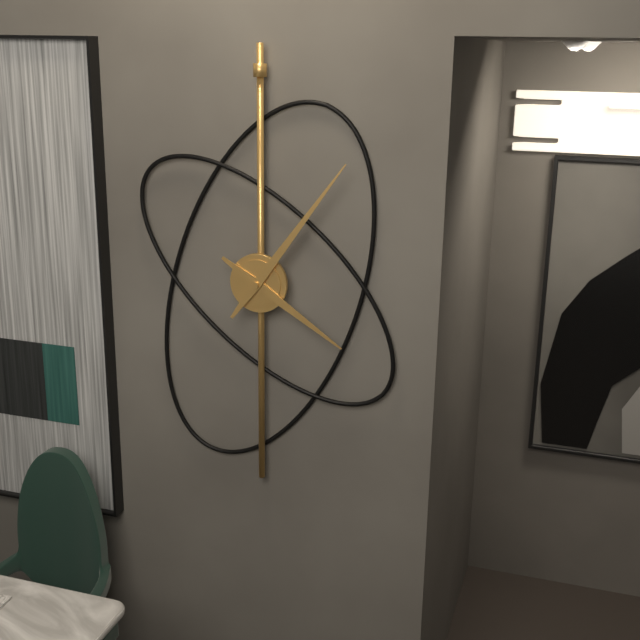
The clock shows 4 h 06 min
